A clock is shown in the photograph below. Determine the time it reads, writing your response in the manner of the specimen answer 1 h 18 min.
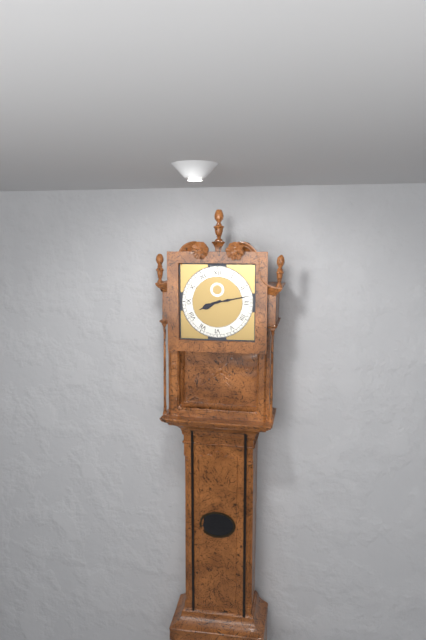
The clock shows 8 h 13 min
